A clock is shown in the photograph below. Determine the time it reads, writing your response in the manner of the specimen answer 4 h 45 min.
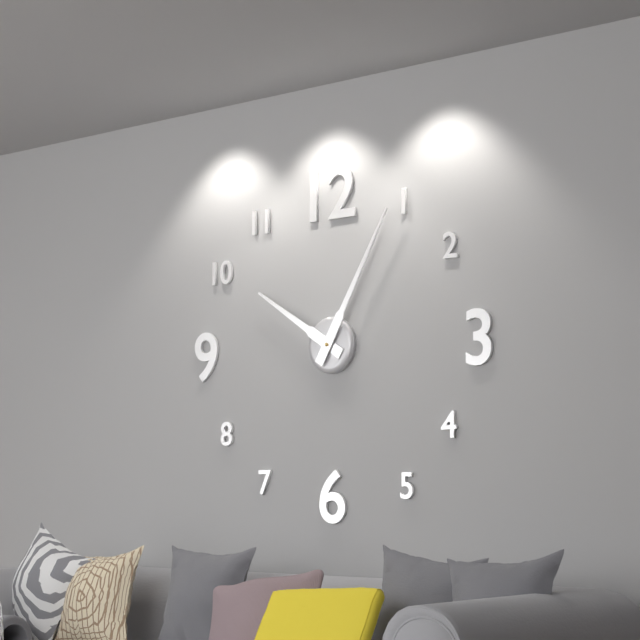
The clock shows 10 h 05 min
